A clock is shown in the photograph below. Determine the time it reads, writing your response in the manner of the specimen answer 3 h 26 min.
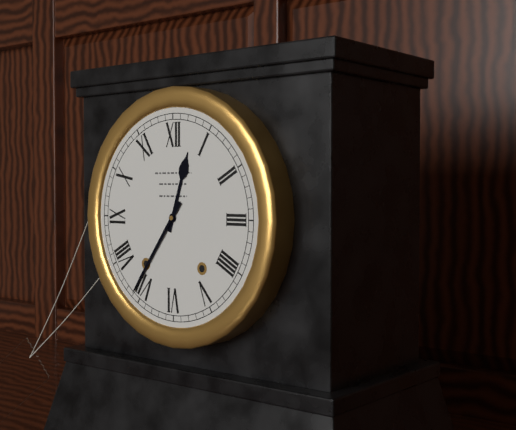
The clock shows 12 h 36 min
